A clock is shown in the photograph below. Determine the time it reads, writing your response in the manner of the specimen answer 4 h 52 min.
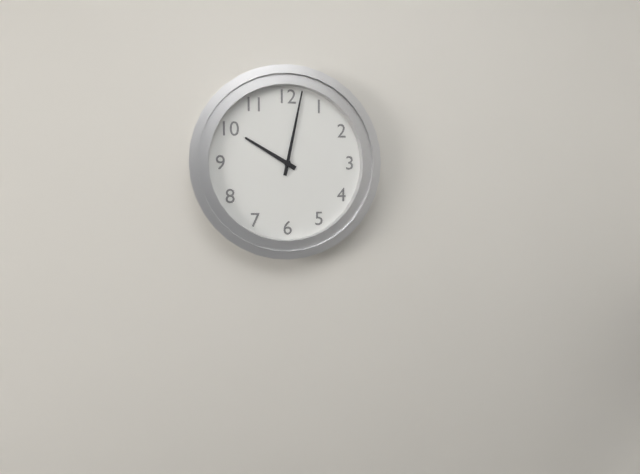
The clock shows 10 h 02 min
